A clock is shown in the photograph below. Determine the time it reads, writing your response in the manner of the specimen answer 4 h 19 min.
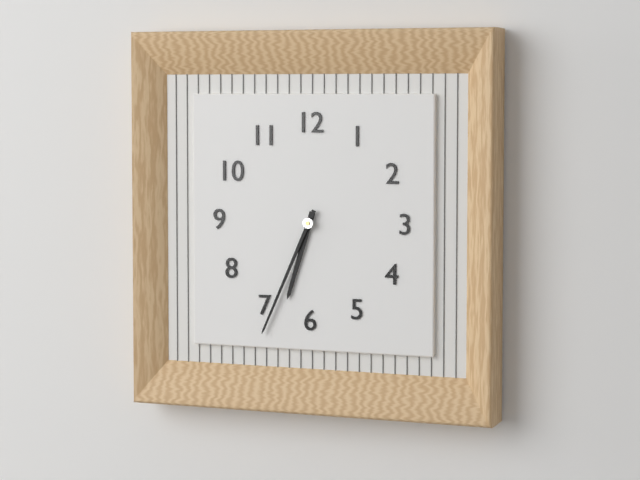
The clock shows 6 h 34 min
